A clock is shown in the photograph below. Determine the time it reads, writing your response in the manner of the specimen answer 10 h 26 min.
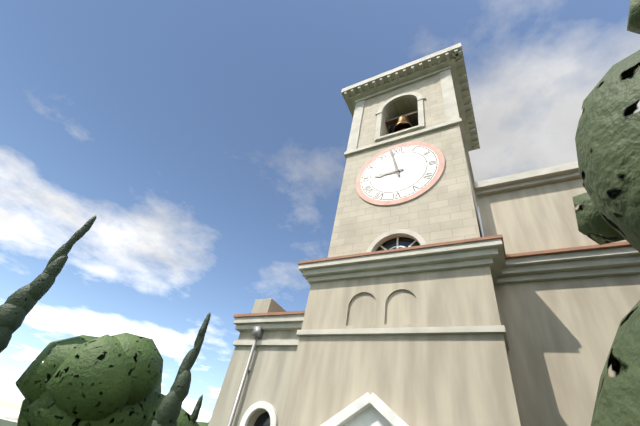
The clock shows 8 h 58 min
